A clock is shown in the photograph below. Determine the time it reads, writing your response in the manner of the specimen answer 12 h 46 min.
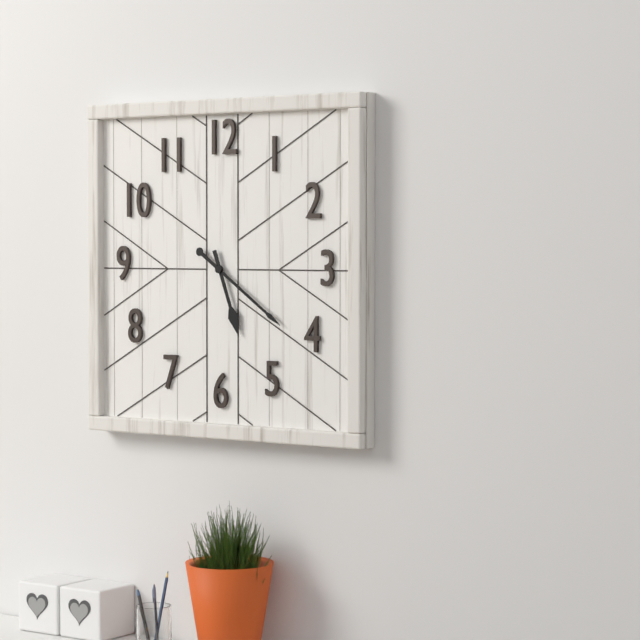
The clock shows 5 h 21 min
